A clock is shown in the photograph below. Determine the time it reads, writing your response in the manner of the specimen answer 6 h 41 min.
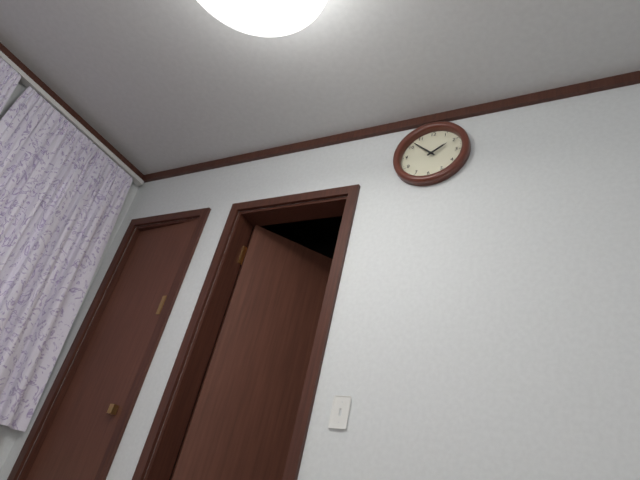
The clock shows 1 h 52 min
